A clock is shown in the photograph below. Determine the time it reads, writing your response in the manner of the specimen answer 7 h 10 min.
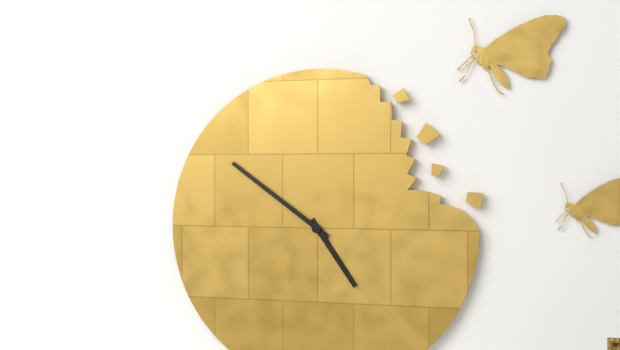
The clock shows 4 h 51 min
